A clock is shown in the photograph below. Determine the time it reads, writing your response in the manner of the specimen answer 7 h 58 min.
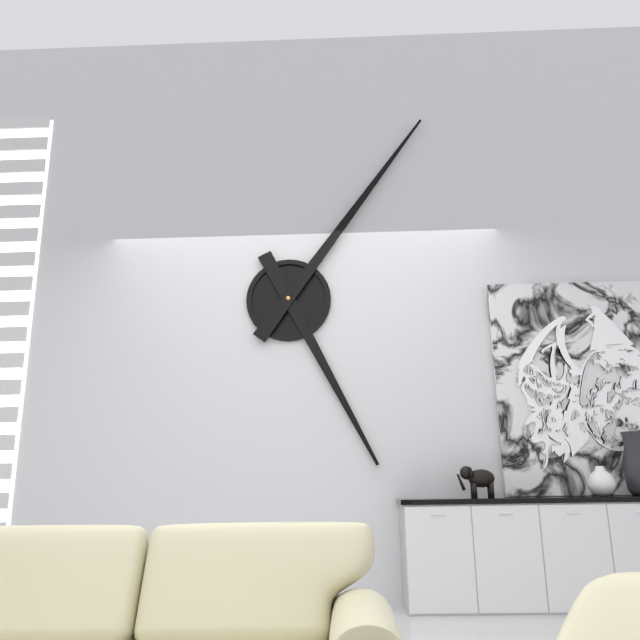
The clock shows 5 h 06 min
